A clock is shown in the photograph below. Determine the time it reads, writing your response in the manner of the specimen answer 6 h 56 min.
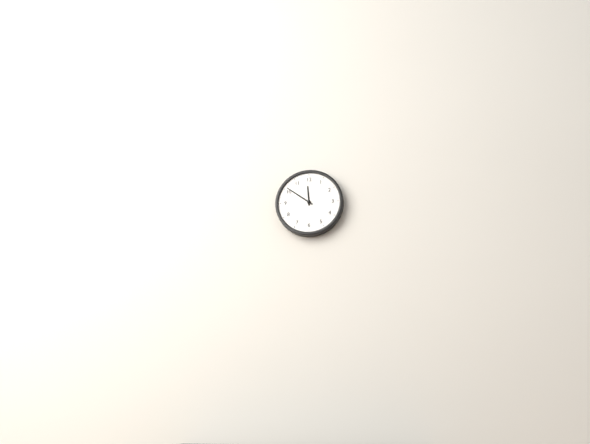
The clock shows 11 h 51 min
